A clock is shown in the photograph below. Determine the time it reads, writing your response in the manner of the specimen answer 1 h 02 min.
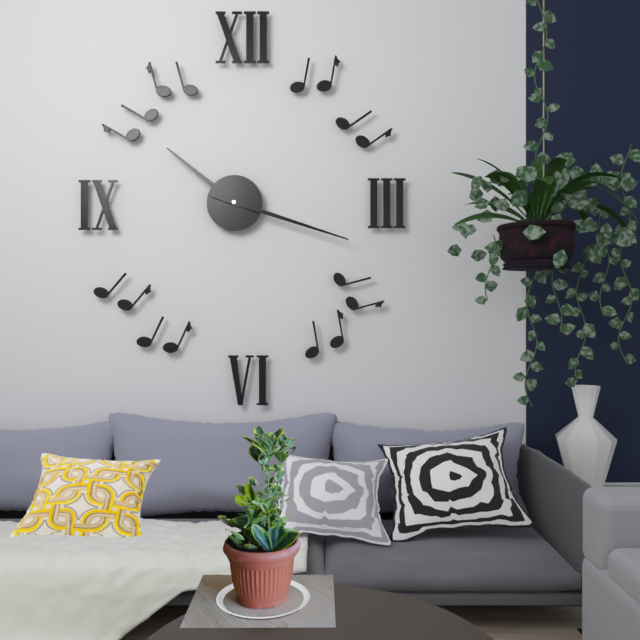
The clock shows 10 h 18 min
